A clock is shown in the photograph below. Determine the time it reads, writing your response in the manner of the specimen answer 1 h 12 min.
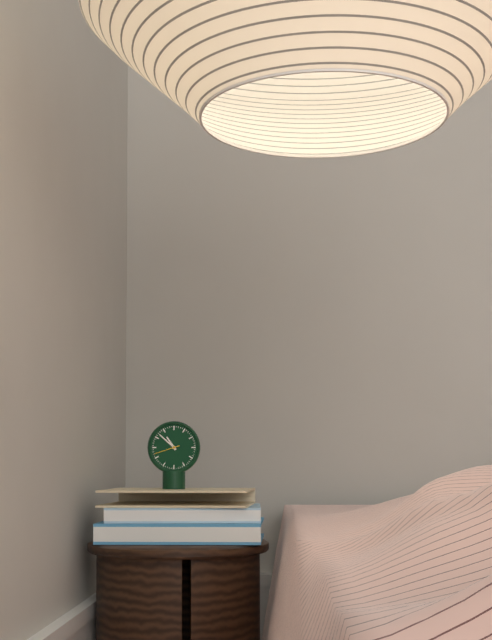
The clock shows 10 h 52 min
